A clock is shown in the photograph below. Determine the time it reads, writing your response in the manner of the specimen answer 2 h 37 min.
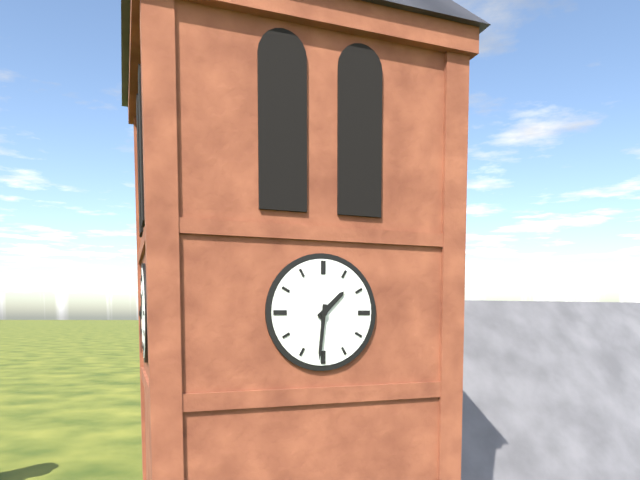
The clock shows 1 h 31 min
